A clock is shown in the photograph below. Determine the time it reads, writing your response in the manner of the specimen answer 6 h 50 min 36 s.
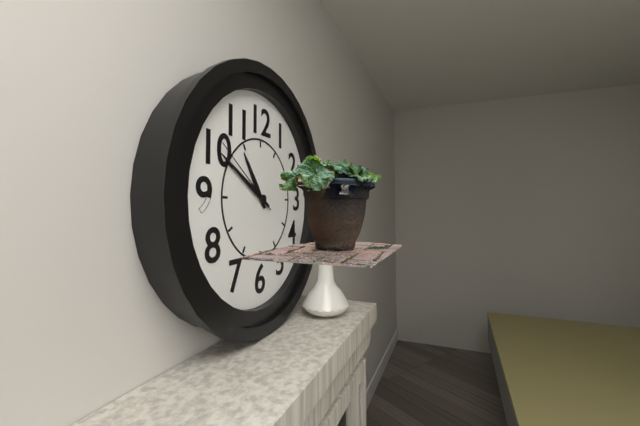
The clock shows 10 h 50 min 51 s
